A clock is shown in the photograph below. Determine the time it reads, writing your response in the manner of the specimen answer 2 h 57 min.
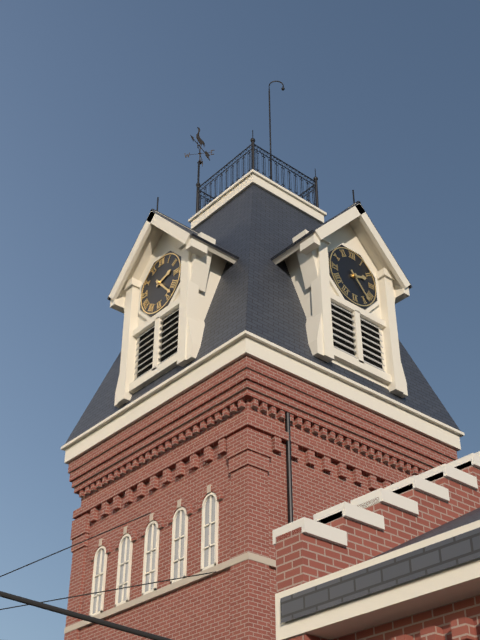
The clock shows 2 h 23 min
